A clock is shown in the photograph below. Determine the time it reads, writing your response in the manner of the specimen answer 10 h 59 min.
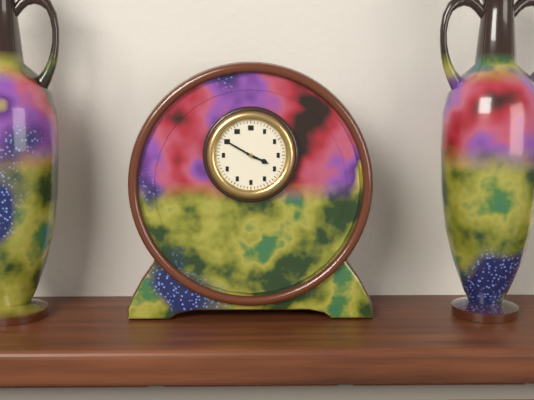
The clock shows 3 h 50 min
